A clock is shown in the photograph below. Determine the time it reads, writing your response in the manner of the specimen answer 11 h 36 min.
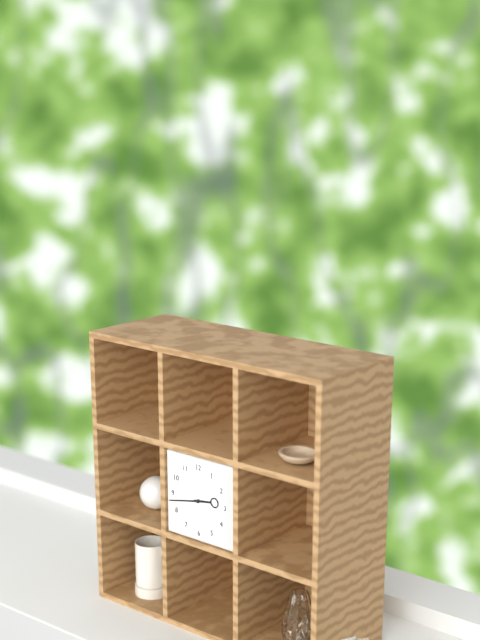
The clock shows 2 h 43 min
